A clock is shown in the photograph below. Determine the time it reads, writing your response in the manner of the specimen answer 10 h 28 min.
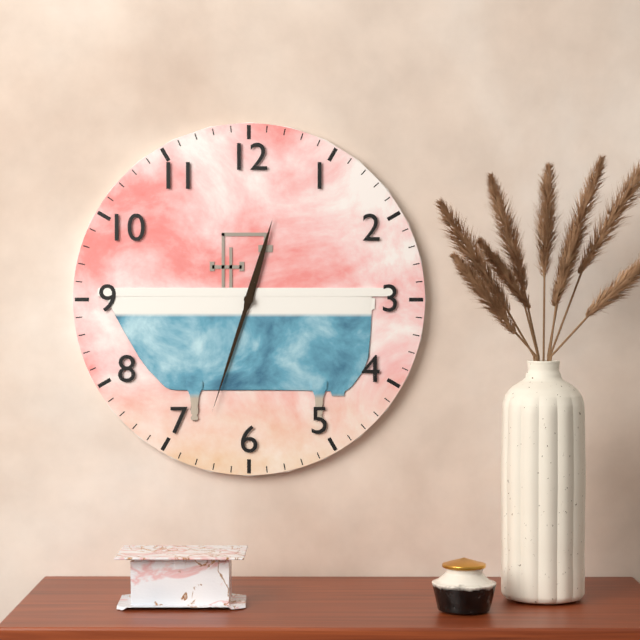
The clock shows 12 h 33 min
